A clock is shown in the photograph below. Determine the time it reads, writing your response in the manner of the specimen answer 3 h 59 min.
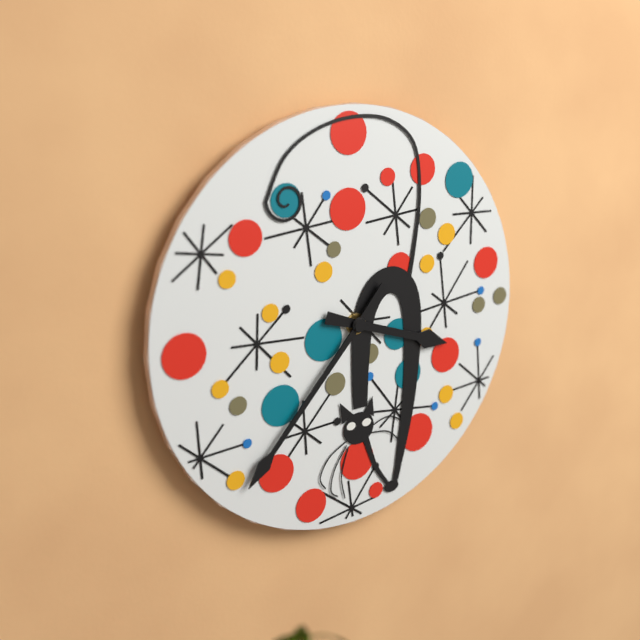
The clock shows 3 h 37 min
